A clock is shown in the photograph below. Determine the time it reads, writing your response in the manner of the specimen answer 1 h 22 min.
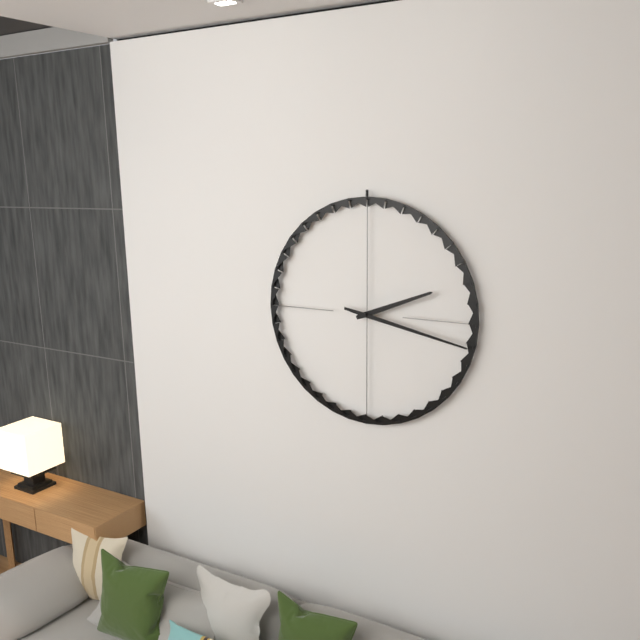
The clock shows 2 h 17 min
